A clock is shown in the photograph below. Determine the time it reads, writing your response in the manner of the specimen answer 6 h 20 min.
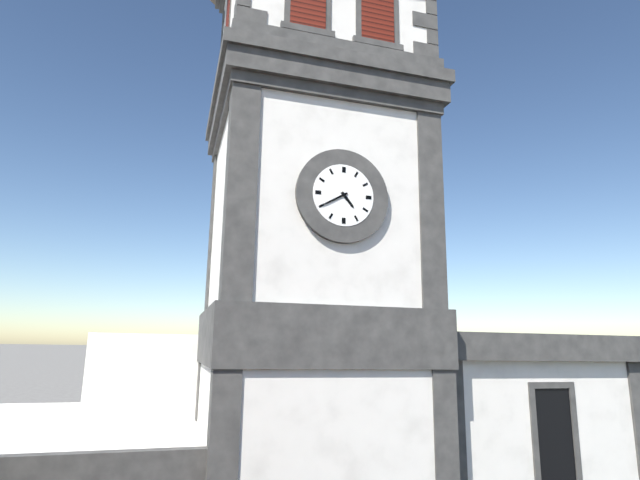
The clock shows 4 h 40 min
